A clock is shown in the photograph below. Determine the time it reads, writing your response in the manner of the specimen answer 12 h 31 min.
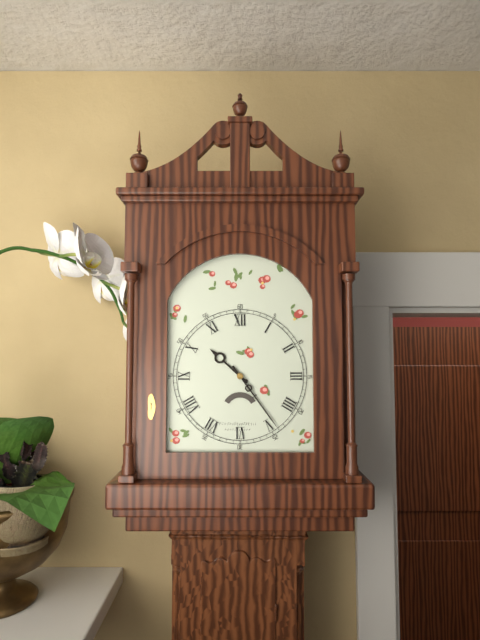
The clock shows 10 h 24 min
